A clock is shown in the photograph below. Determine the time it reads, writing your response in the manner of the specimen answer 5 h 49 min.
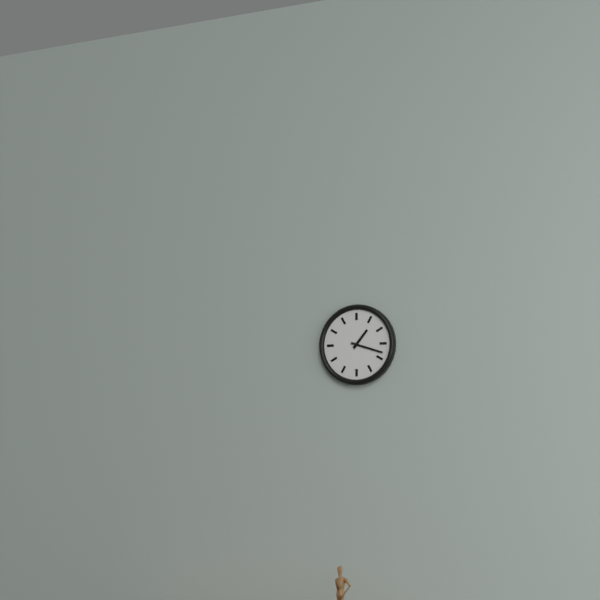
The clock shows 1 h 18 min
